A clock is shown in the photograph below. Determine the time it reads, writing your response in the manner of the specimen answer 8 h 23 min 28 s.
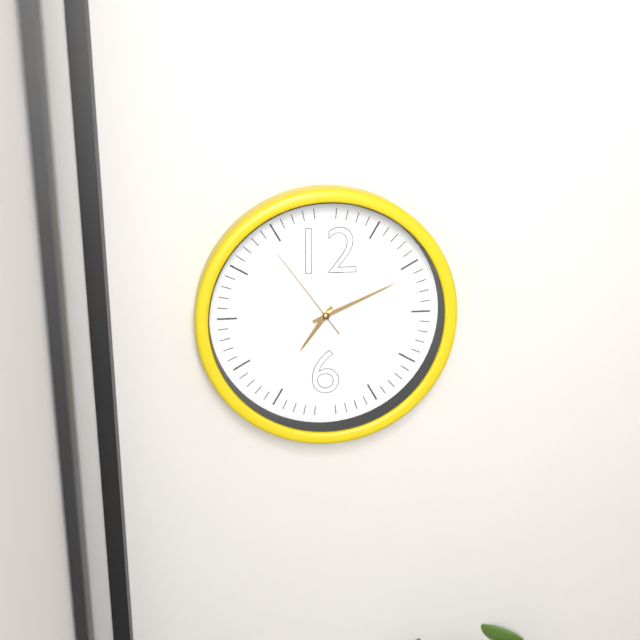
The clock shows 7 h 11 min 54 s
